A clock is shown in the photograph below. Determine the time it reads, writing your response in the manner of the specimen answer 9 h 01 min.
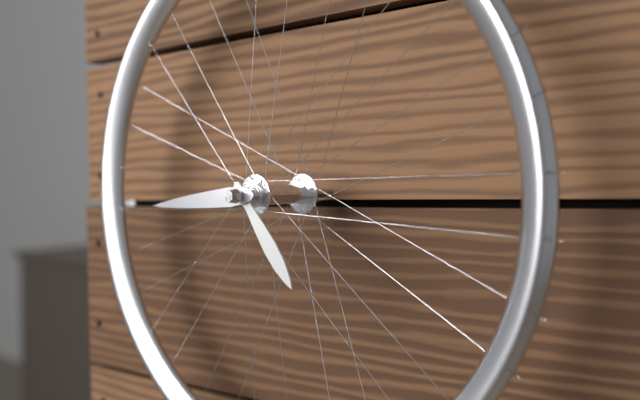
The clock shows 4 h 44 min
